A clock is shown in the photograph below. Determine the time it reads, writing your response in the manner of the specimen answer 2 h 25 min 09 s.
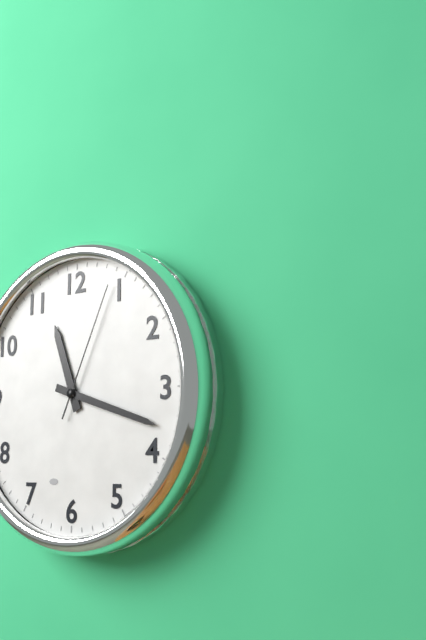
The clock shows 11 h 18 min 04 s
